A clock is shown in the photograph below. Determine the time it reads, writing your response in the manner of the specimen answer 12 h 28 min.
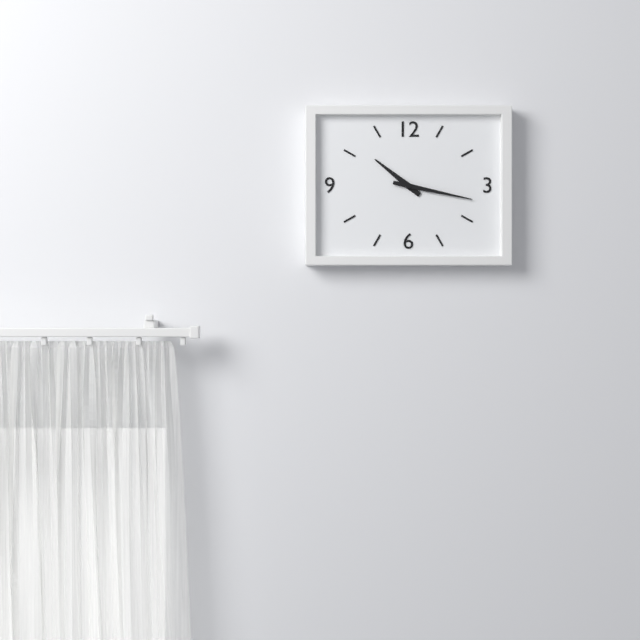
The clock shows 10 h 17 min
